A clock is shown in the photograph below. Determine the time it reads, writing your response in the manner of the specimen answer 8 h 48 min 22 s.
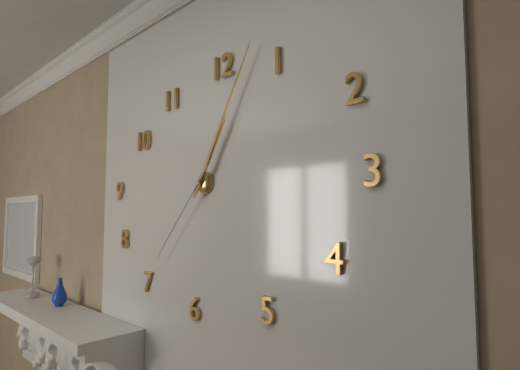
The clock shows 1 h 05 min 37 s
